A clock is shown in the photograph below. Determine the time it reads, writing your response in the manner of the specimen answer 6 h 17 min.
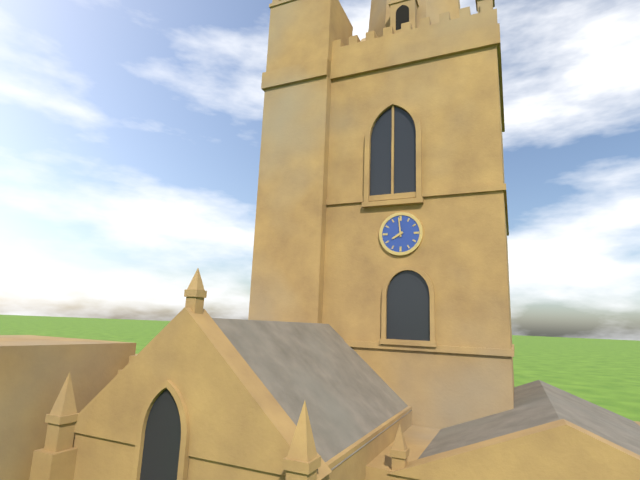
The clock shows 7 h 59 min
